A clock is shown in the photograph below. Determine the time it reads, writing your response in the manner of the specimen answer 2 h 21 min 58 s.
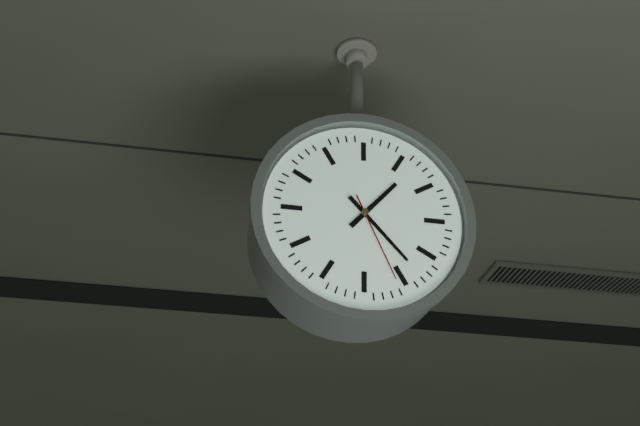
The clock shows 1 h 23 min 26 s
